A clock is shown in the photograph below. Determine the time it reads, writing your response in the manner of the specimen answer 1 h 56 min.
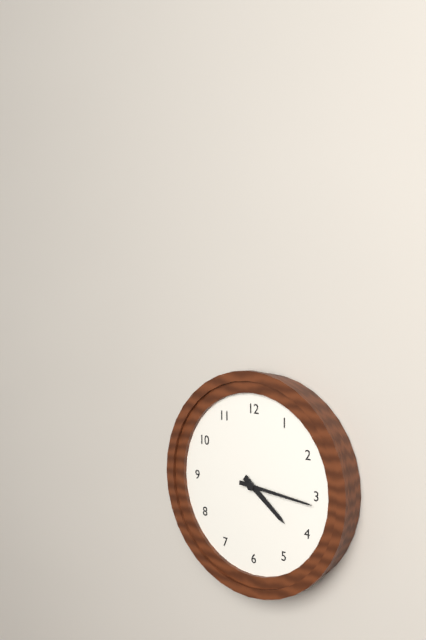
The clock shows 4 h 16 min
